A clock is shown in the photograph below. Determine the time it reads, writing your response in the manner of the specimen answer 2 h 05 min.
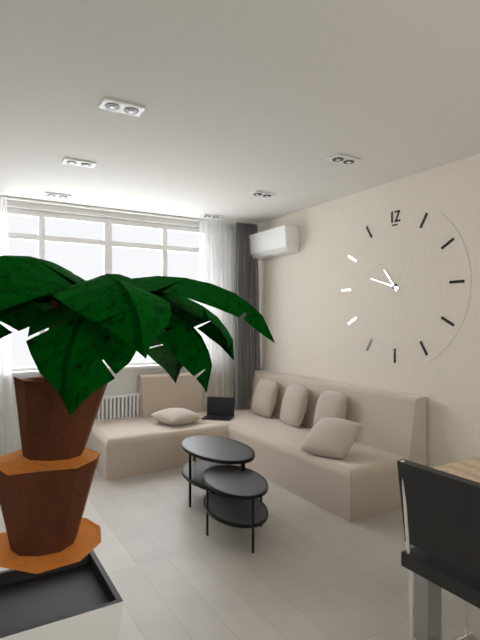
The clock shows 10 h 48 min
